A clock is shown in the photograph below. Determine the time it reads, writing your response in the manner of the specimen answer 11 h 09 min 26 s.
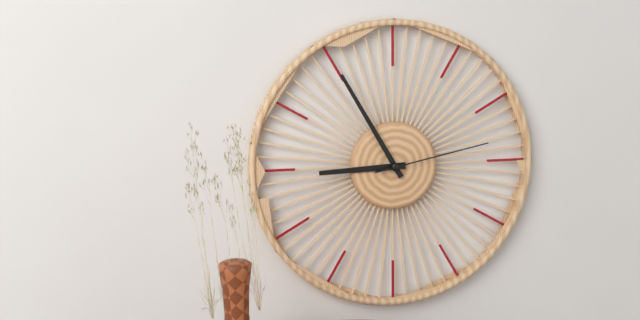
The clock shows 8 h 55 min 13 s
